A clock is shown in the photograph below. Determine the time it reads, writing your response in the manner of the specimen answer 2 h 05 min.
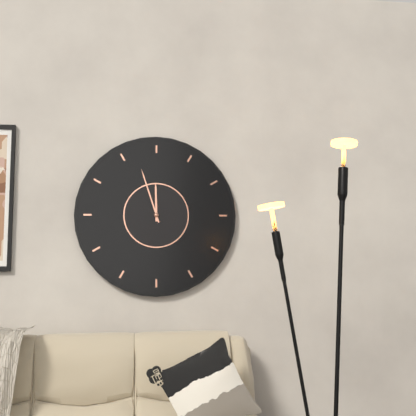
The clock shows 11 h 57 min
